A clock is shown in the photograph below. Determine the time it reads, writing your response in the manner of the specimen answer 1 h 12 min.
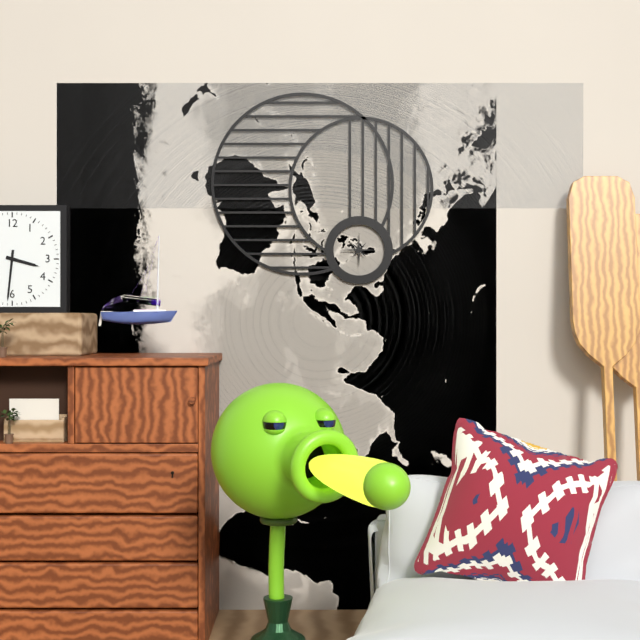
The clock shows 3 h 31 min
